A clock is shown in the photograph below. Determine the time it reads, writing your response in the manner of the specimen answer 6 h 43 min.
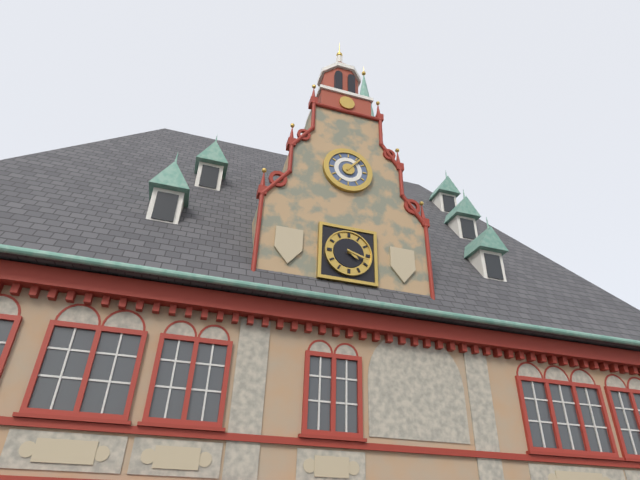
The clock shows 4 h 18 min
